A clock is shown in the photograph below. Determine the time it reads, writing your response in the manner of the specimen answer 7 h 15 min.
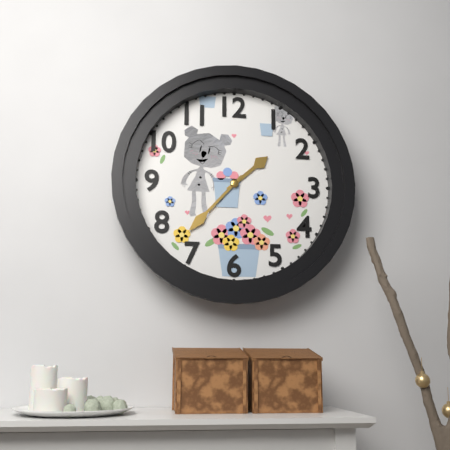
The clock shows 1 h 37 min
